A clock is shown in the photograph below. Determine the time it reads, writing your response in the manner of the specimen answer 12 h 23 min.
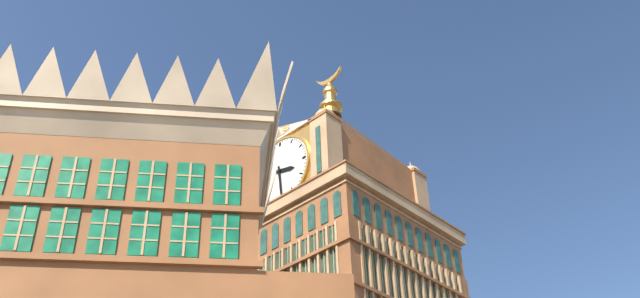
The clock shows 3 h 29 min
